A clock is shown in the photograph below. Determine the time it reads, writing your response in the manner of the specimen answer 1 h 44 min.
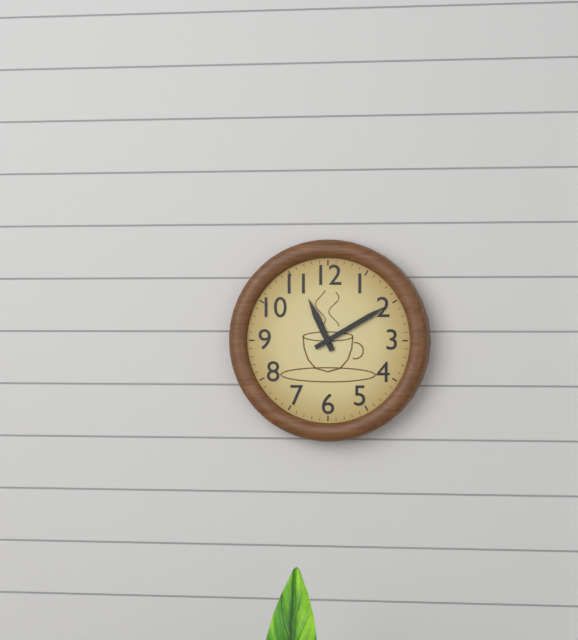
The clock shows 11 h 10 min
